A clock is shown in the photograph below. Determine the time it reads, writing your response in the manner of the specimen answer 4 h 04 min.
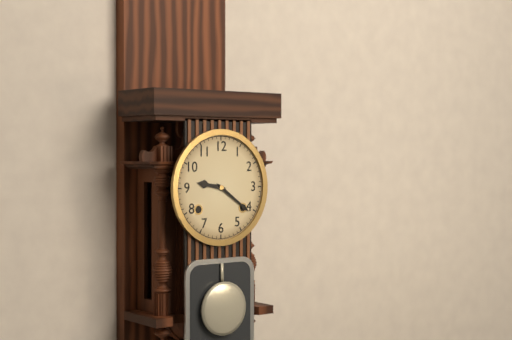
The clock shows 9 h 21 min
